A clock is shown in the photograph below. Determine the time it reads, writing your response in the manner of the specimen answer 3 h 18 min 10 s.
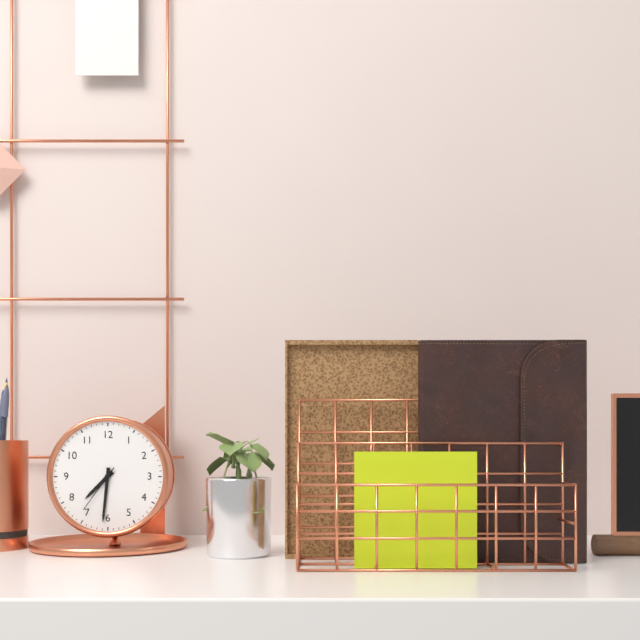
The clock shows 7 h 31 min 36 s
